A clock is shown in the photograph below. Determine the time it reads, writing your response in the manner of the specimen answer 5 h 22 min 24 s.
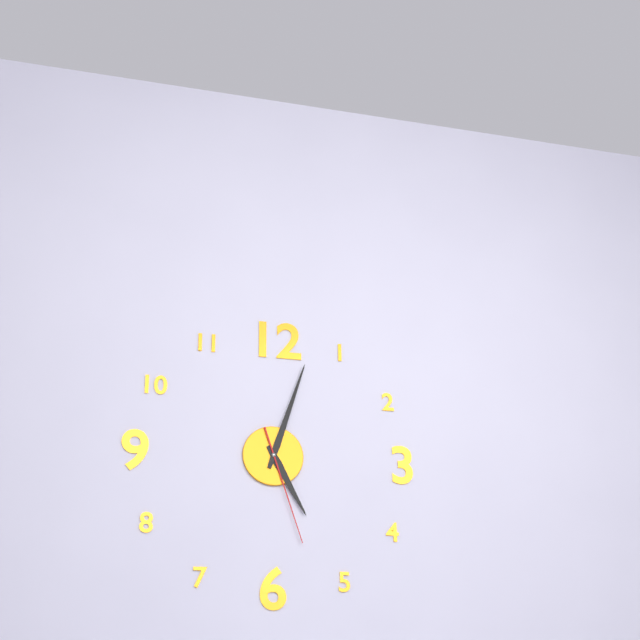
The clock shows 5 h 03 min 27 s
